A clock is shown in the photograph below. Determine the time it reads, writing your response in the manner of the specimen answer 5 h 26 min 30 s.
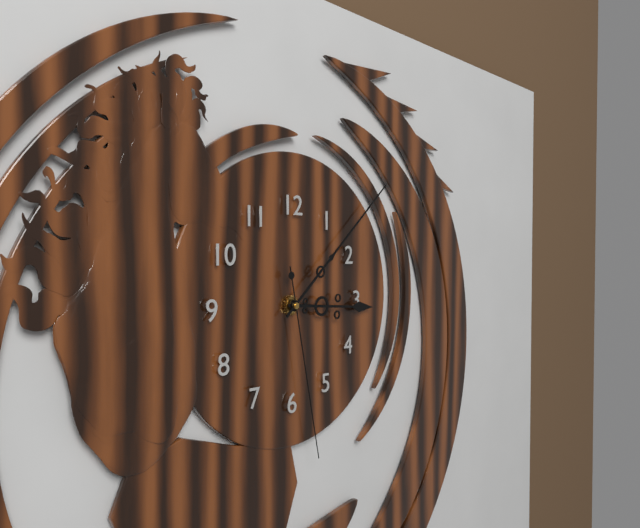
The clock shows 3 h 08 min 28 s
